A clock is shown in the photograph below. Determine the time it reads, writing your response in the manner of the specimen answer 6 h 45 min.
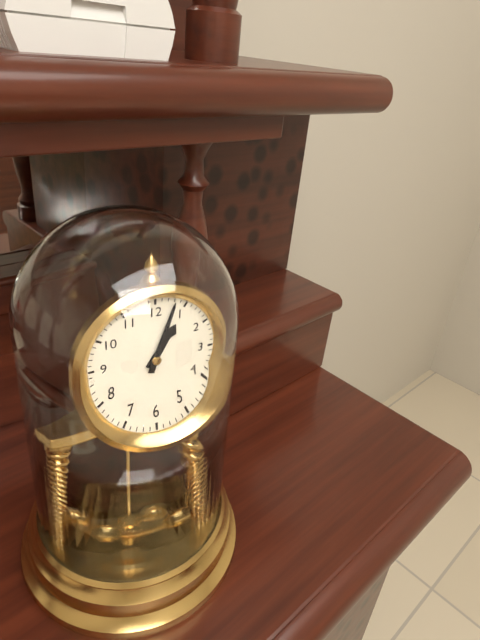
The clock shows 1 h 03 min
